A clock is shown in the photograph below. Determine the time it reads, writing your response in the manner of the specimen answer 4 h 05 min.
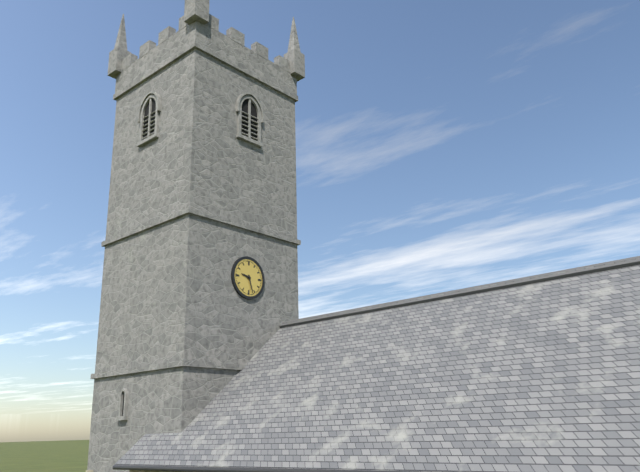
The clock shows 9 h 27 min
